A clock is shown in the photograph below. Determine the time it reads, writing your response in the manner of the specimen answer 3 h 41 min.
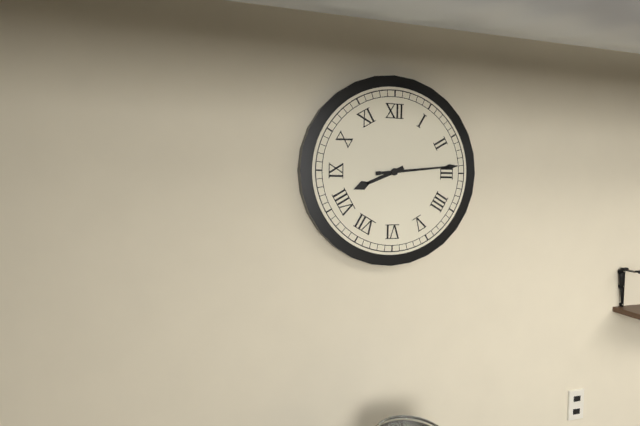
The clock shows 8 h 14 min
